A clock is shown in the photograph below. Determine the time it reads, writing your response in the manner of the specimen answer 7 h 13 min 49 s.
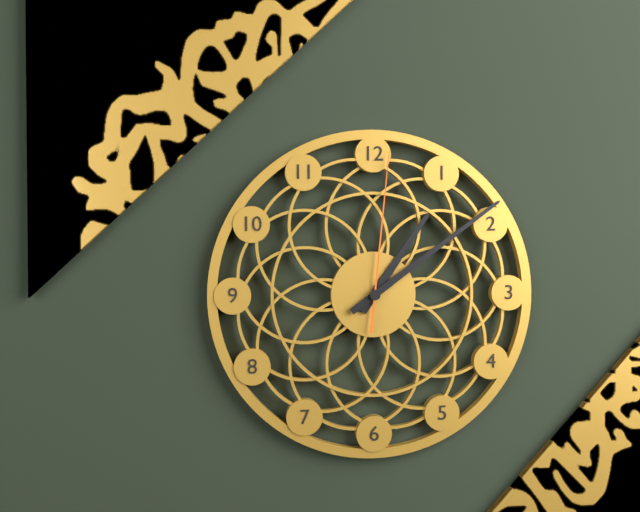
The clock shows 1 h 09 min 01 s
